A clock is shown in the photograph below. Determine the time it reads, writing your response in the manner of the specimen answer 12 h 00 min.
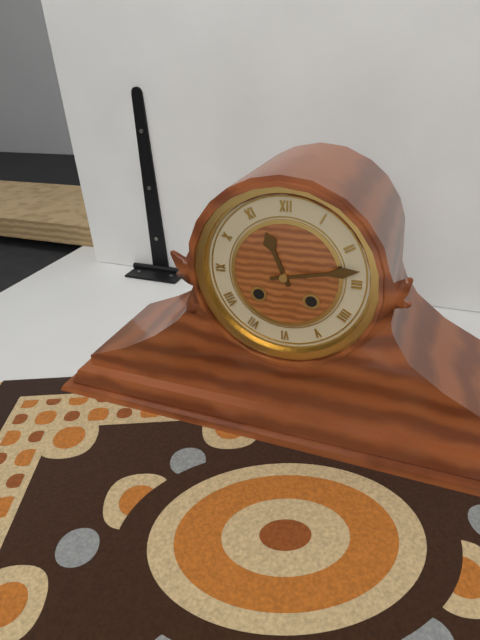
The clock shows 11 h 13 min
